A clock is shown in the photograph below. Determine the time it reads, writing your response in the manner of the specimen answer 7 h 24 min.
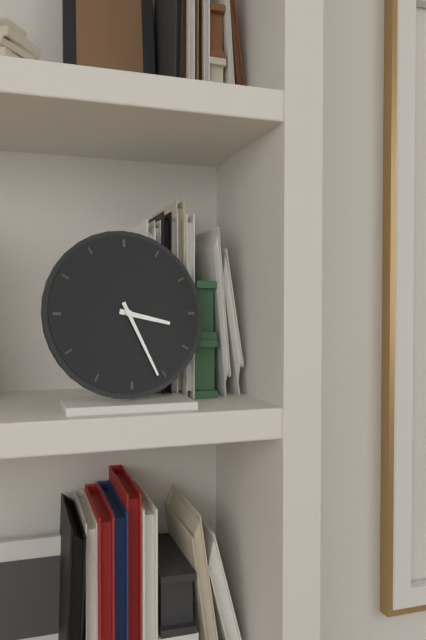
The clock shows 3 h 26 min
